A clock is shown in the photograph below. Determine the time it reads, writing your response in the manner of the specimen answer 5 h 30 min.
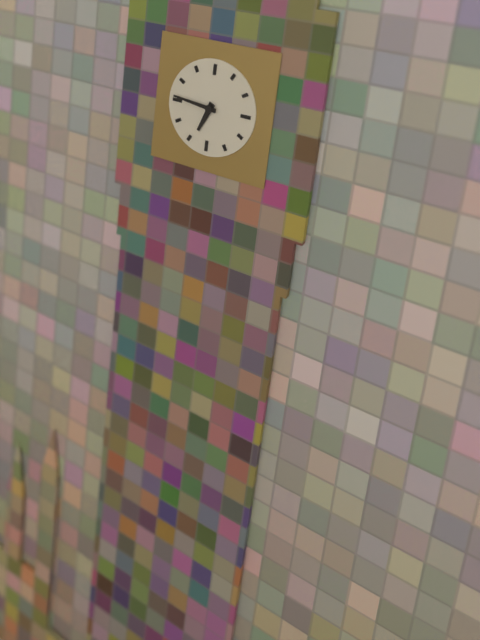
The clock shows 6 h 46 min
